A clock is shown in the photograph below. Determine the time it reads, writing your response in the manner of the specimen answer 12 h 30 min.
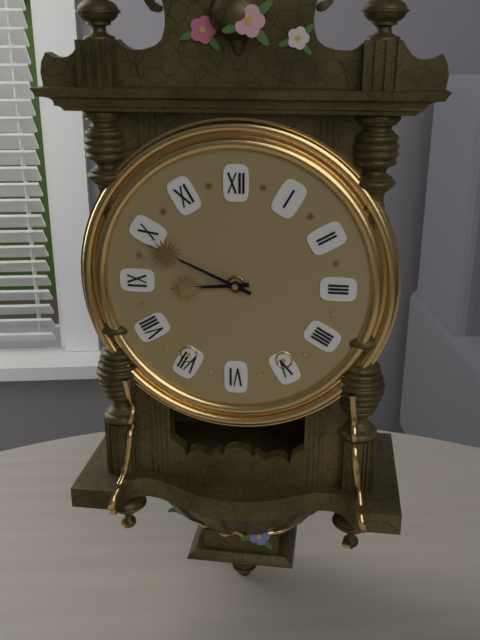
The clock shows 8 h 49 min
